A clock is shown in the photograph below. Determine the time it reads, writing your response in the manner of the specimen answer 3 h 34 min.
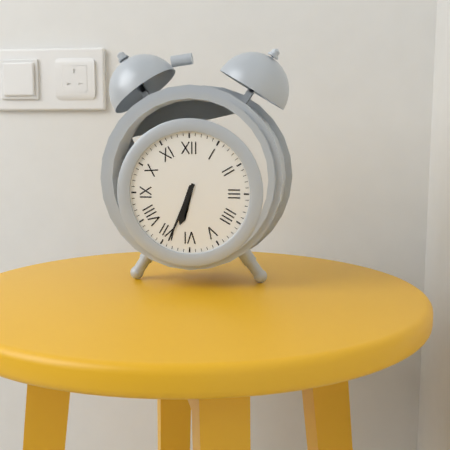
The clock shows 6 h 34 min
